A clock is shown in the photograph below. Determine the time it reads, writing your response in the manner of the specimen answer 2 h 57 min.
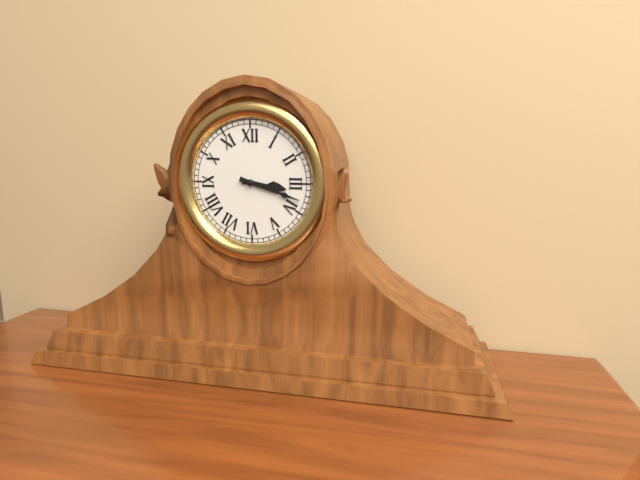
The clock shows 3 h 18 min
